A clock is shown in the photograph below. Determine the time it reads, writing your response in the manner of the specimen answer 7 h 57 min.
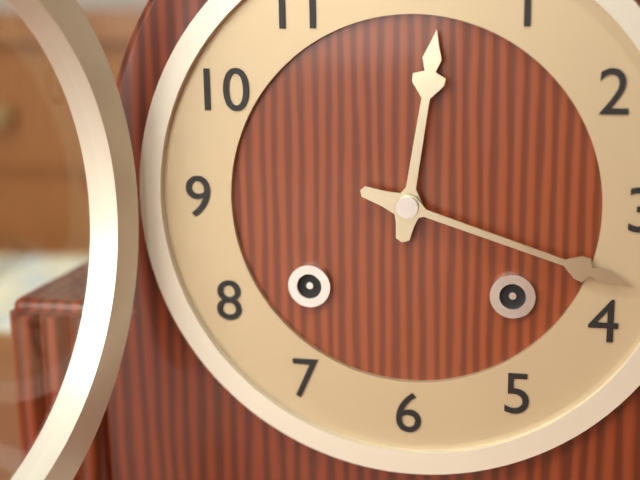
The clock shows 12 h 18 min
